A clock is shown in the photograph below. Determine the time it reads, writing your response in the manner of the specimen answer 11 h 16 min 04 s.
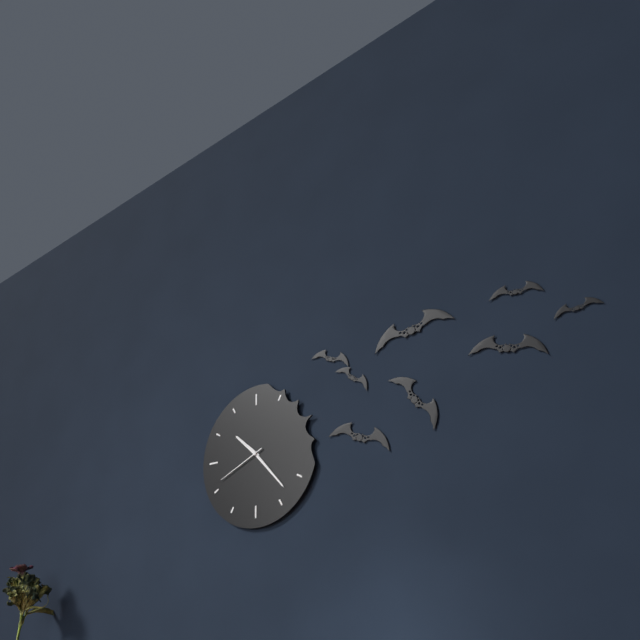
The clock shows 10 h 23 min 41 s
